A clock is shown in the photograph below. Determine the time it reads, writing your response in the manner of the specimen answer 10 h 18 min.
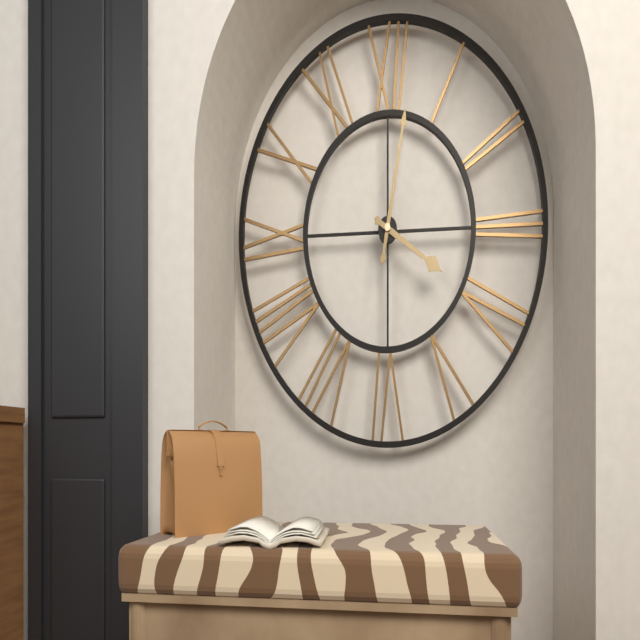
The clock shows 4 h 02 min
